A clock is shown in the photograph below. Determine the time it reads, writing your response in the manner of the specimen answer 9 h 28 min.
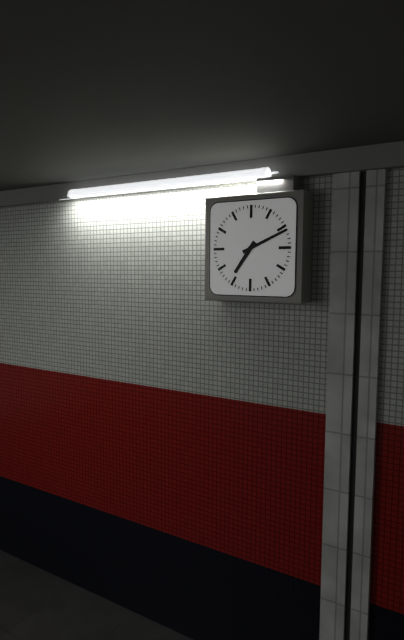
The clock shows 7 h 11 min
